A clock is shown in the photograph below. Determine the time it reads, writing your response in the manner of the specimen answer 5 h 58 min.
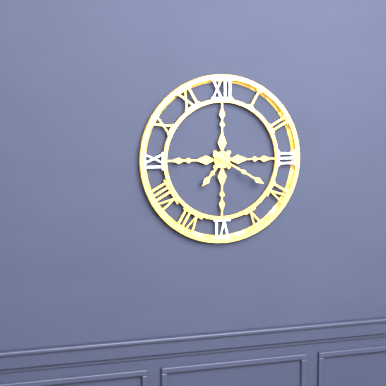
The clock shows 7 h 20 min
